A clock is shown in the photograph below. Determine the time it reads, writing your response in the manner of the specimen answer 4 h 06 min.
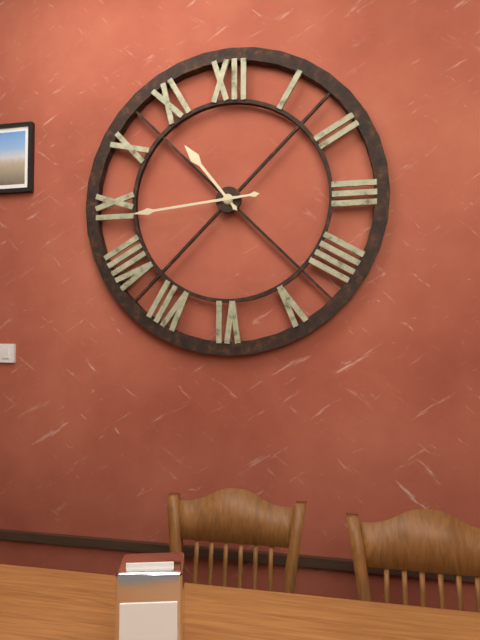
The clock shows 10 h 44 min
